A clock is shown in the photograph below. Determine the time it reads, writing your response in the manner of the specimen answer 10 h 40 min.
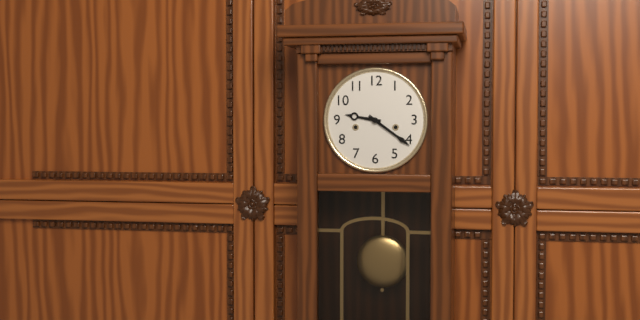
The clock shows 9 h 21 min
